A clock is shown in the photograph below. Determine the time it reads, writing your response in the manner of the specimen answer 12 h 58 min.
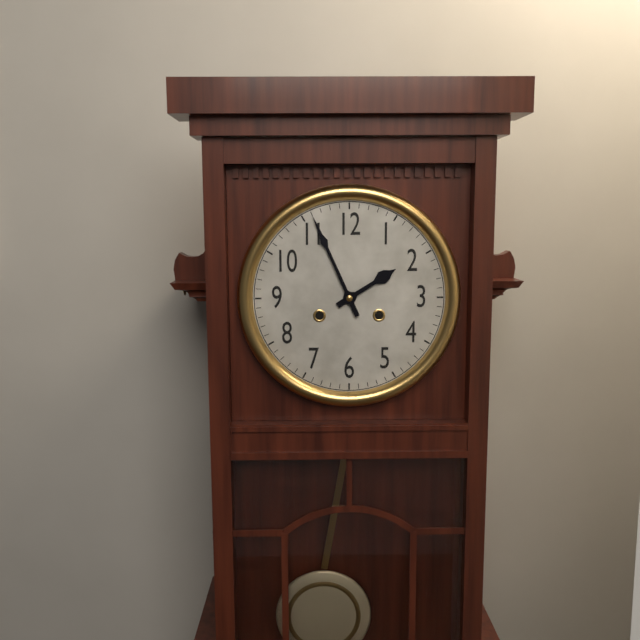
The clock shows 1 h 56 min
